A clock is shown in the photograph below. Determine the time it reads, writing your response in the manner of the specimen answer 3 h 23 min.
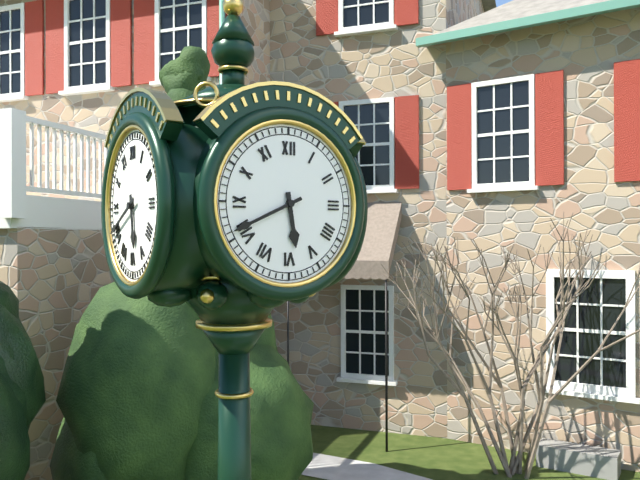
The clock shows 5 h 41 min
